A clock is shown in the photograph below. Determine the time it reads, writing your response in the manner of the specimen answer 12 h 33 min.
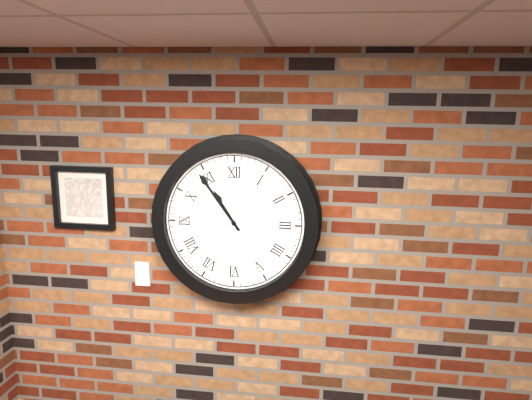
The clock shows 10 h 54 min
